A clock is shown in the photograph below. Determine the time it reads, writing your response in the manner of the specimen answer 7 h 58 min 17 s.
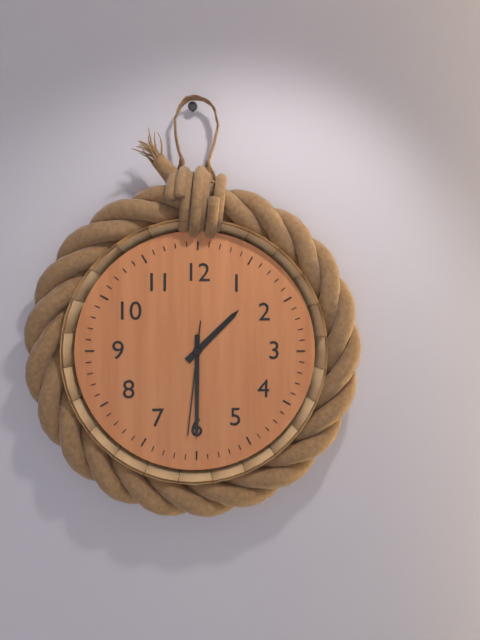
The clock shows 1 h 30 min 31 s
